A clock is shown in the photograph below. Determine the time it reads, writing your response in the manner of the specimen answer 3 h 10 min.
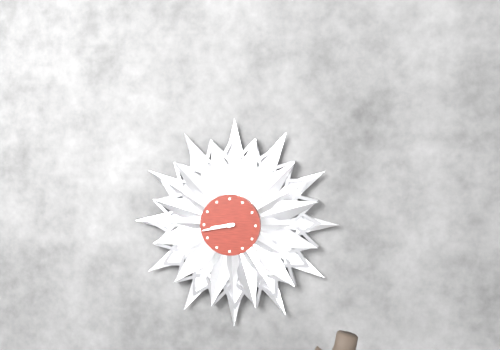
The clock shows 8 h 43 min
